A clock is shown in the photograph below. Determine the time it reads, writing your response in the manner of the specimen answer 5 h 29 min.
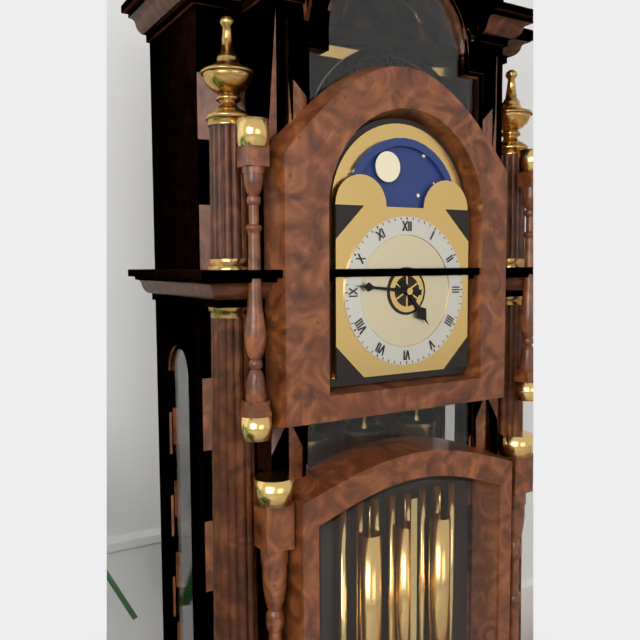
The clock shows 4 h 46 min
